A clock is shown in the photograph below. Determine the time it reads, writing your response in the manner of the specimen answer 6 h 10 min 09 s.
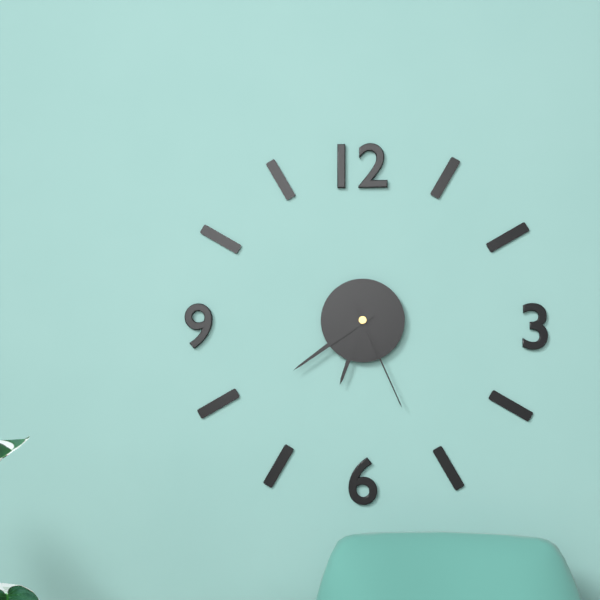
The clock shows 6 h 39 min 26 s
